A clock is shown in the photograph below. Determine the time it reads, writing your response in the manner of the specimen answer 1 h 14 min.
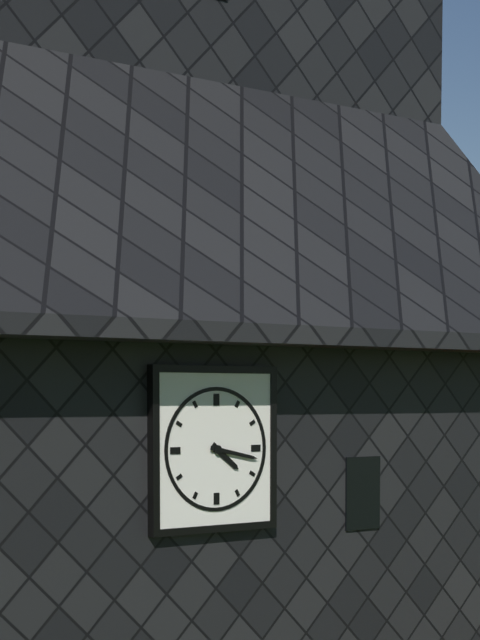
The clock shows 4 h 17 min
